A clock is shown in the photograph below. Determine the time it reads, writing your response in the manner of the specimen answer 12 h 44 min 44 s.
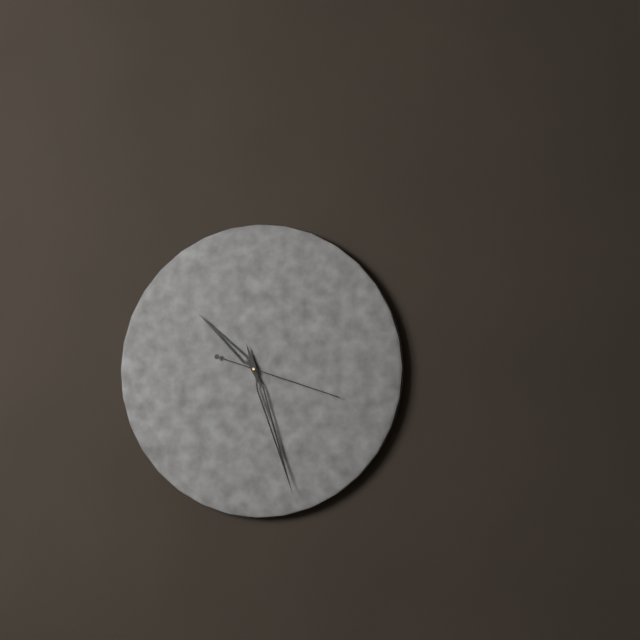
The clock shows 10 h 27 min 18 s
